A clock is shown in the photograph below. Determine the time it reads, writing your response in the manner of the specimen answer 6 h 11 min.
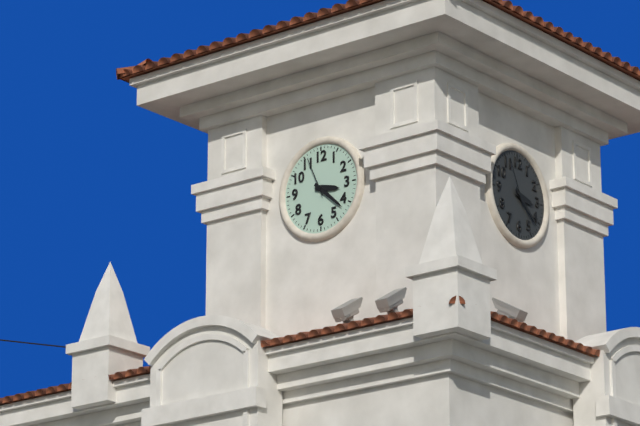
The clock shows 3 h 22 min
